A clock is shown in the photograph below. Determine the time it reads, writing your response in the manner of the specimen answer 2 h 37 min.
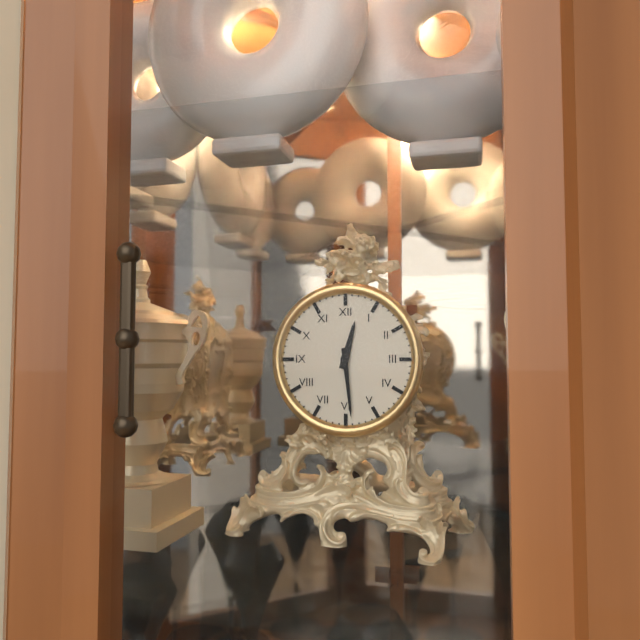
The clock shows 12 h 29 min
